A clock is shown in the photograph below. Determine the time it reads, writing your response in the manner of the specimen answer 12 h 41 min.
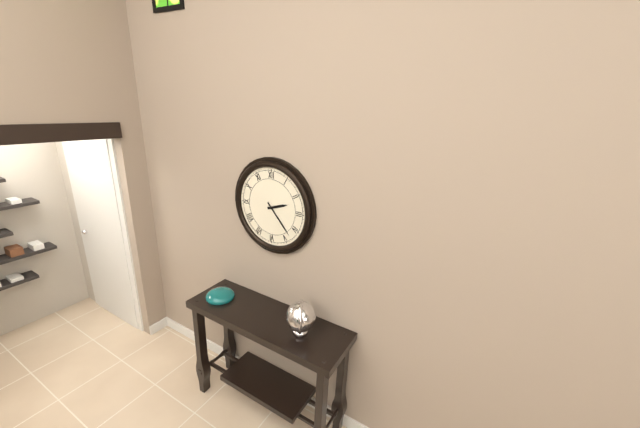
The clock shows 2 h 23 min
